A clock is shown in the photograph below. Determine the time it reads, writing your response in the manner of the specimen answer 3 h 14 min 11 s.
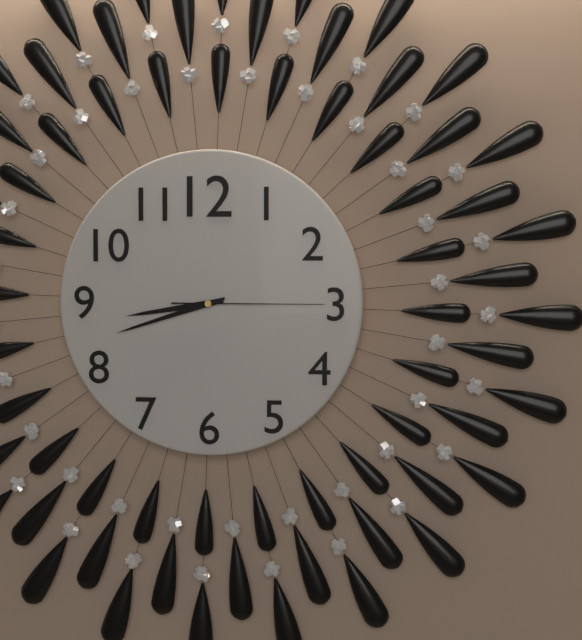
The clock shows 8 h 42 min 15 s
